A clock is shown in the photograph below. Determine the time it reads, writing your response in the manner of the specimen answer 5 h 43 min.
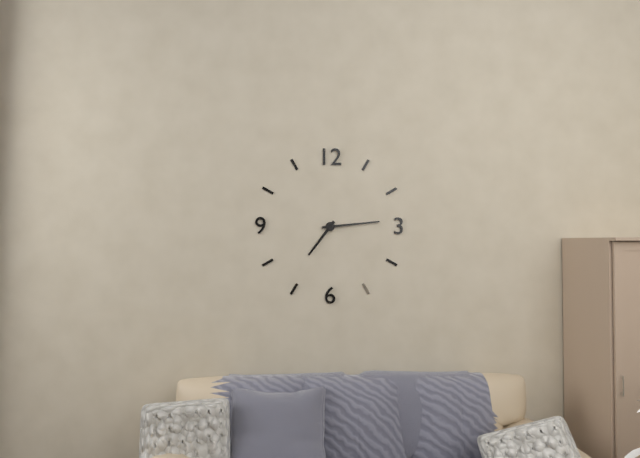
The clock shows 7 h 14 min
